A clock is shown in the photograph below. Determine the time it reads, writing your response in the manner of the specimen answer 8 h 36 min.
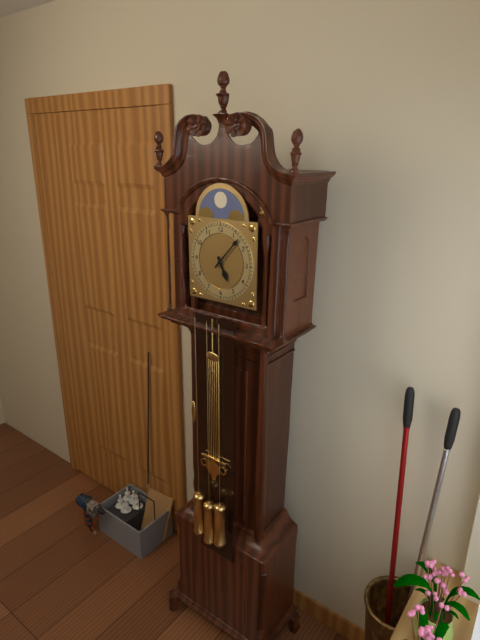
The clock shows 5 h 07 min
